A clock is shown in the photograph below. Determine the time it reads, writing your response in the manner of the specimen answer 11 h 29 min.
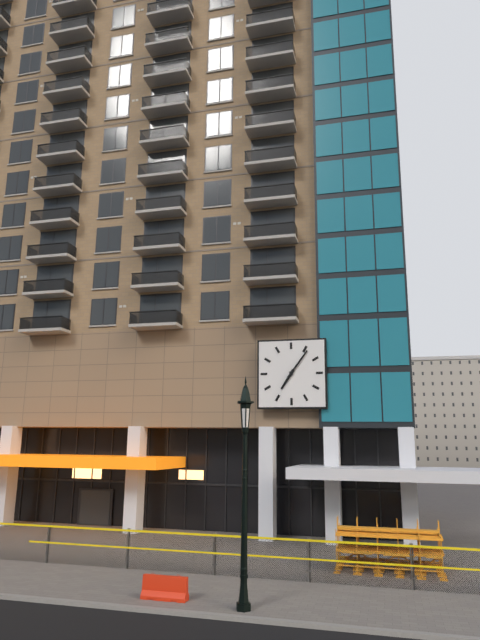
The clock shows 7 h 06 min
